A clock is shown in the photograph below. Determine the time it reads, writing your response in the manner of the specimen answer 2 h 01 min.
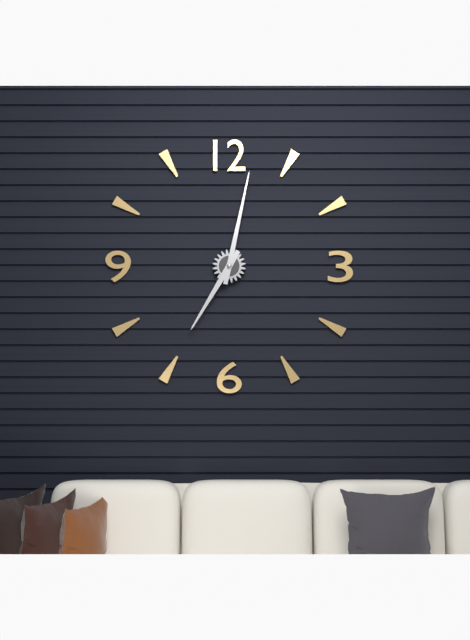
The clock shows 7 h 02 min
